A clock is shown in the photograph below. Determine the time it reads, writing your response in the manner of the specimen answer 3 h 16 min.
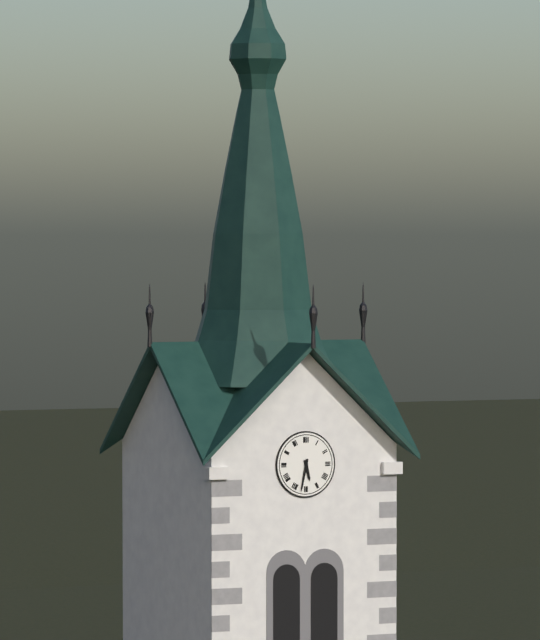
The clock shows 5 h 32 min
